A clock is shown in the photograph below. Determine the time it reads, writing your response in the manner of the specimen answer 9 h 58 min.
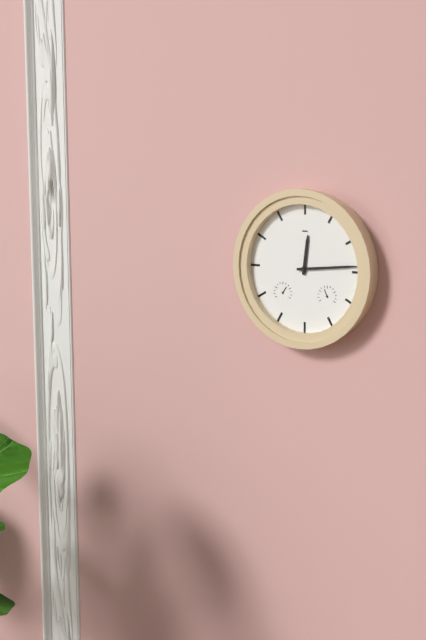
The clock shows 12 h 14 min
